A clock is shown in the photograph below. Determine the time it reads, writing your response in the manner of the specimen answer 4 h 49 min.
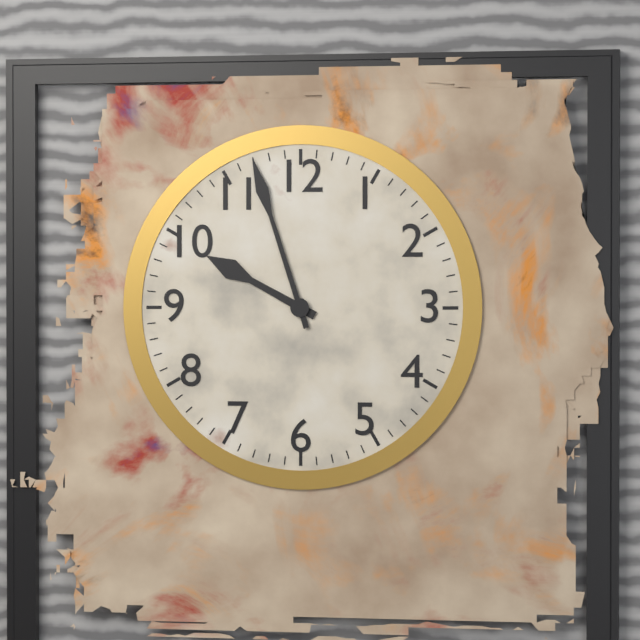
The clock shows 9 h 57 min
